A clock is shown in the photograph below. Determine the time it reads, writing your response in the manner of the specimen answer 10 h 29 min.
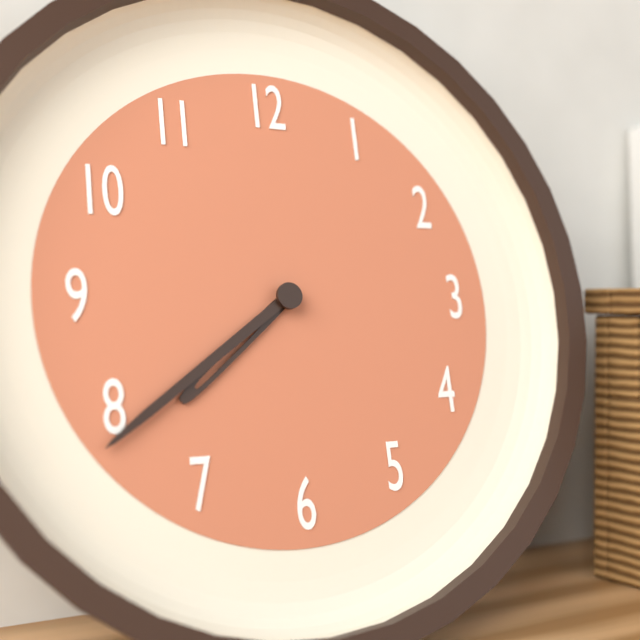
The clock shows 7 h 39 min
